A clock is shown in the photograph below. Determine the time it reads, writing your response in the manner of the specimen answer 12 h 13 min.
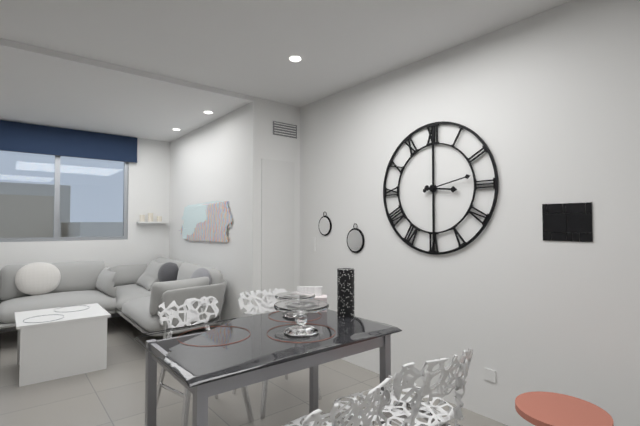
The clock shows 3 h 13 min
